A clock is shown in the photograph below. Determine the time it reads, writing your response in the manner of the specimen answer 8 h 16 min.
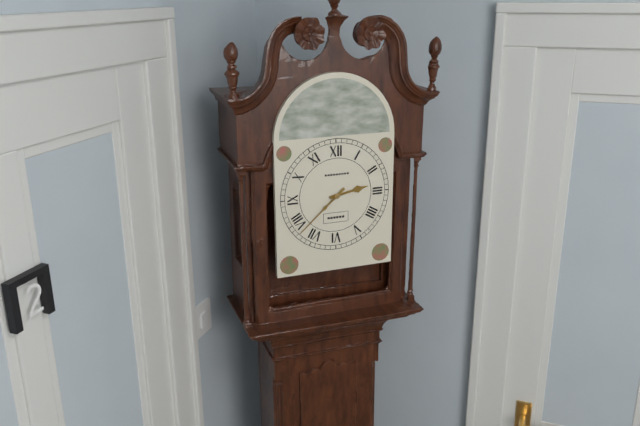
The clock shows 2 h 38 min
